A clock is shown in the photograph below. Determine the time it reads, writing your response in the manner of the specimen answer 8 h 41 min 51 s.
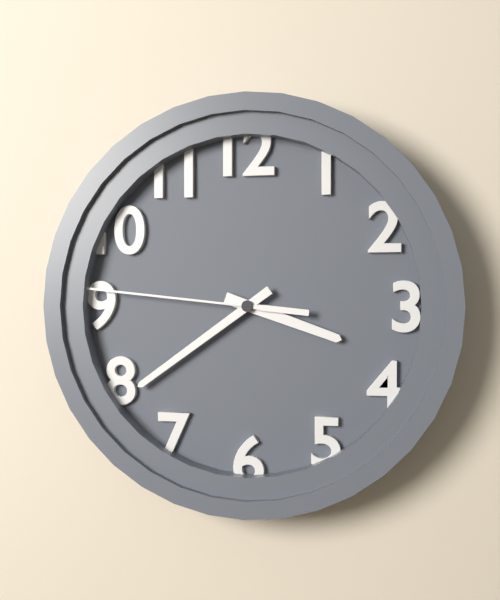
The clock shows 3 h 39 min 46 s
